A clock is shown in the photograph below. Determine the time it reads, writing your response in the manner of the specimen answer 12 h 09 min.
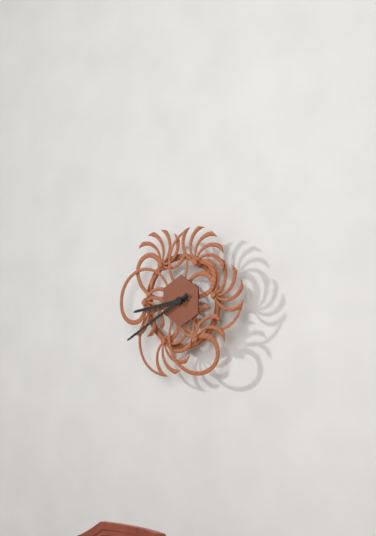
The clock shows 8 h 40 min
